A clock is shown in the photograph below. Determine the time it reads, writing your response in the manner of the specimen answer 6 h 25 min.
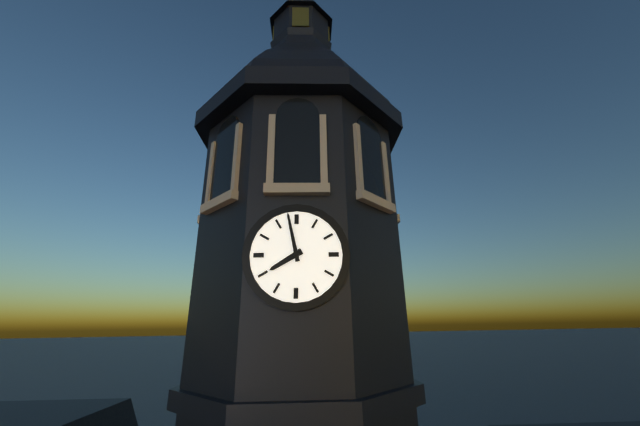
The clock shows 7 h 58 min
